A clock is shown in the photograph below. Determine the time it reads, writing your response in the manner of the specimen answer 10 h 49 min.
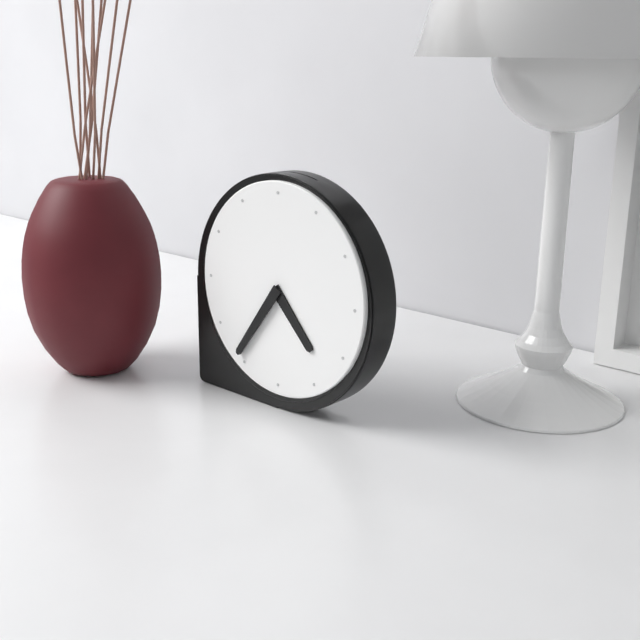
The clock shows 4 h 36 min
